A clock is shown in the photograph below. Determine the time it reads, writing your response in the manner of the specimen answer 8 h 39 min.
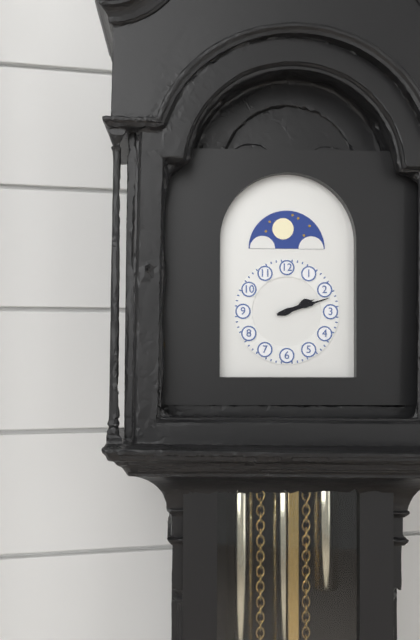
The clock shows 2 h 12 min
